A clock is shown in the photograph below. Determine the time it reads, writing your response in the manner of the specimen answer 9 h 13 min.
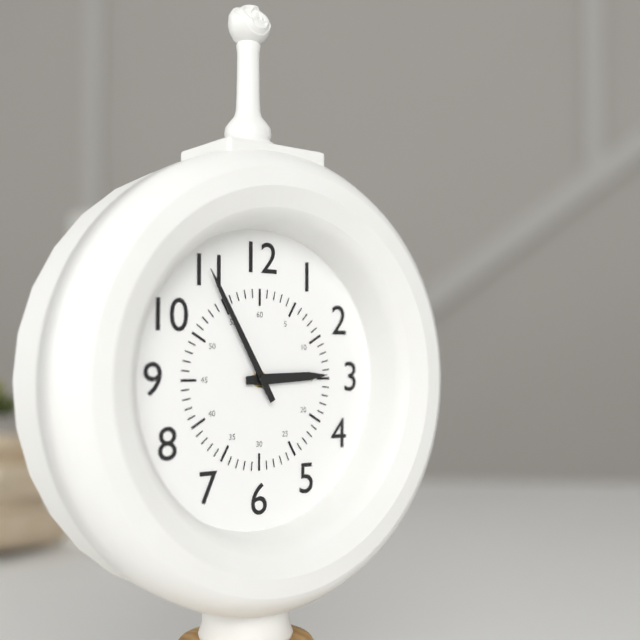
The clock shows 2 h 55 min
